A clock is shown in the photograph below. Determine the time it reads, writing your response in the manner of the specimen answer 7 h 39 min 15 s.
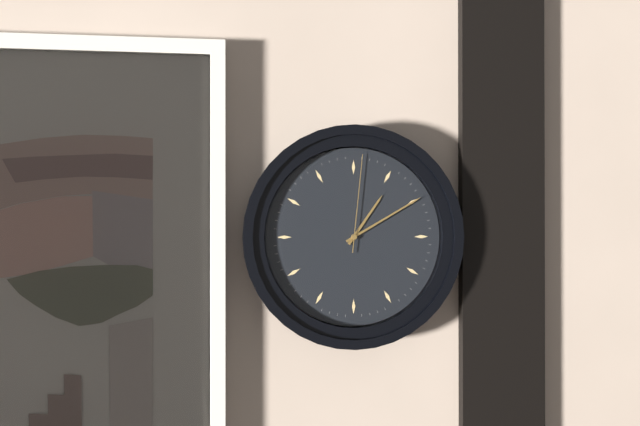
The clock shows 1 h 10 min 01 s
